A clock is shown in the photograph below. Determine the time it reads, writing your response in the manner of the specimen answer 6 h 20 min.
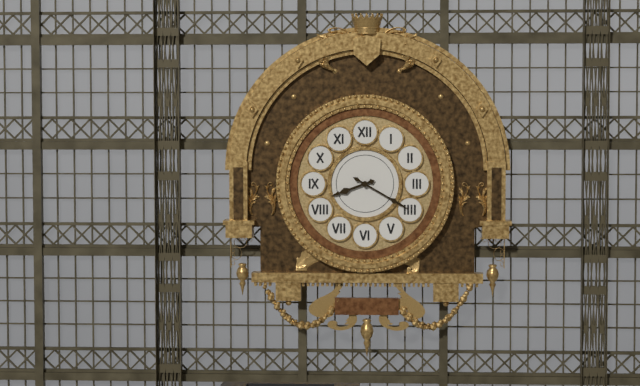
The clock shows 8 h 20 min
